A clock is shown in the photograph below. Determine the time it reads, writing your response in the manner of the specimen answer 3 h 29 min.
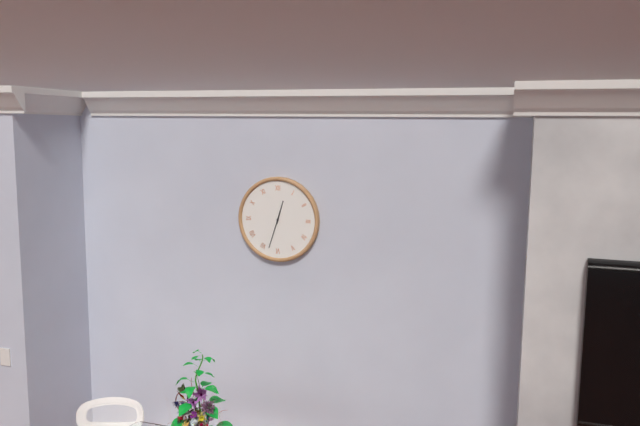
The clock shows 12 h 33 min
